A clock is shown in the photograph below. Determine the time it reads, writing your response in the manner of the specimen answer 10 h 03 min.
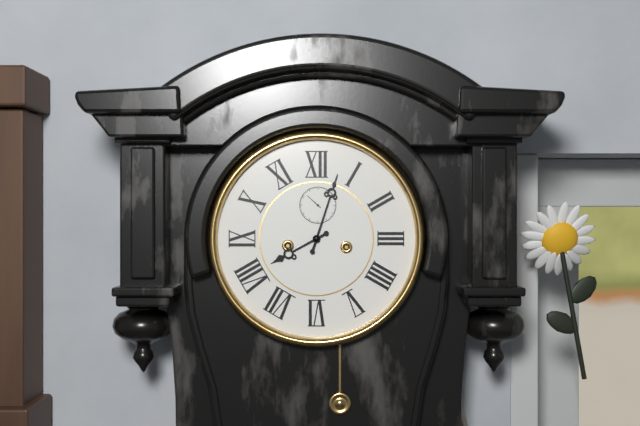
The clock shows 8 h 03 min
